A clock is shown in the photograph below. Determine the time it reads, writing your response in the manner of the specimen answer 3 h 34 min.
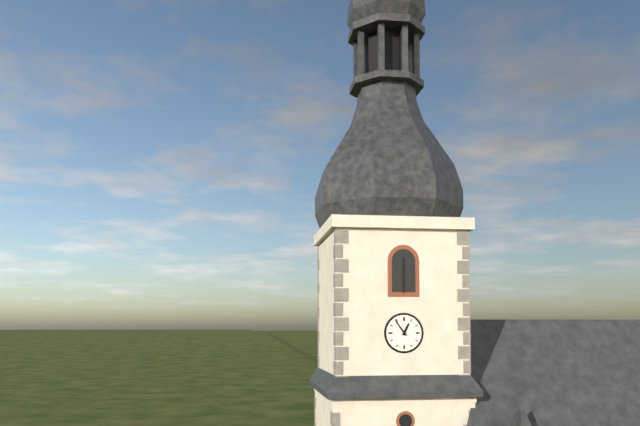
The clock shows 12 h 54 min
